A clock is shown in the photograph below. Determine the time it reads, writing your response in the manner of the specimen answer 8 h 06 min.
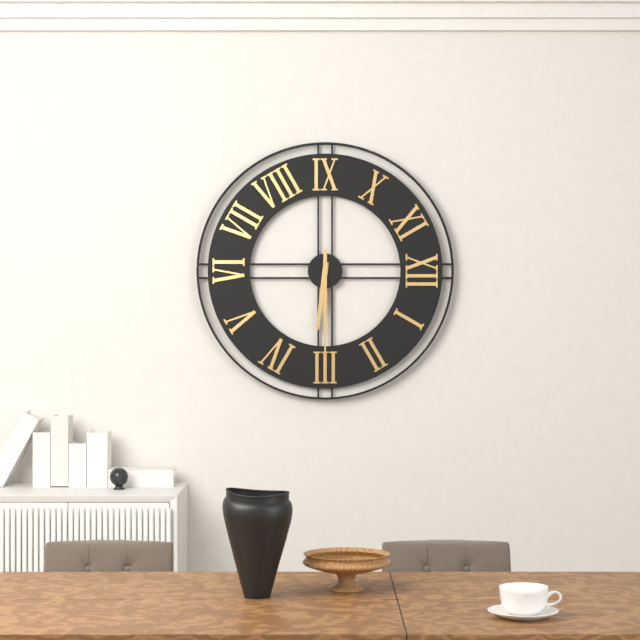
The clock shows 3 h 15 min
